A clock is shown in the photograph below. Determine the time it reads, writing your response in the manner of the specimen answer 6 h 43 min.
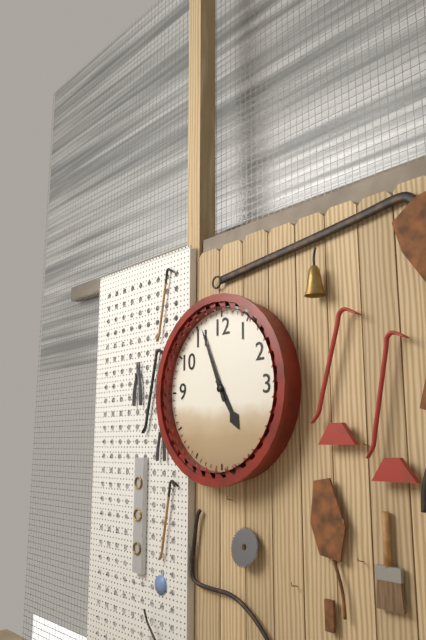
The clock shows 4 h 56 min
